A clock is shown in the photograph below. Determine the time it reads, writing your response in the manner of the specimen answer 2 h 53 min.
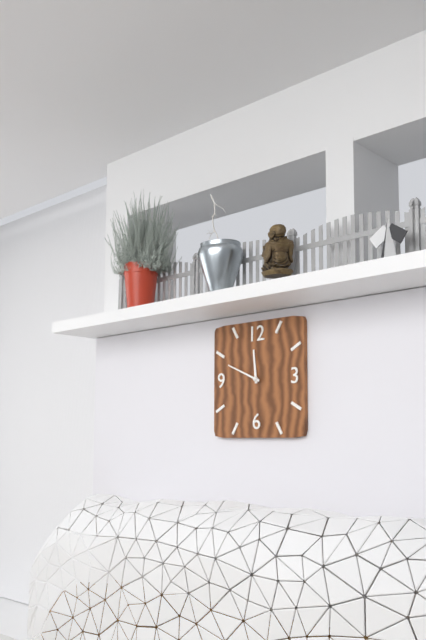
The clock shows 11 h 49 min
